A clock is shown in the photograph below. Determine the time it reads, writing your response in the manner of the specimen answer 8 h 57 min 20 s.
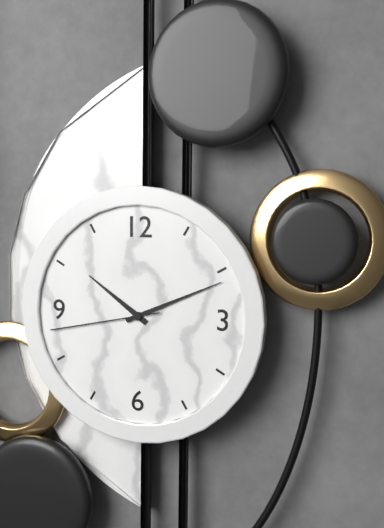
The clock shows 10 h 11 min 43 s
